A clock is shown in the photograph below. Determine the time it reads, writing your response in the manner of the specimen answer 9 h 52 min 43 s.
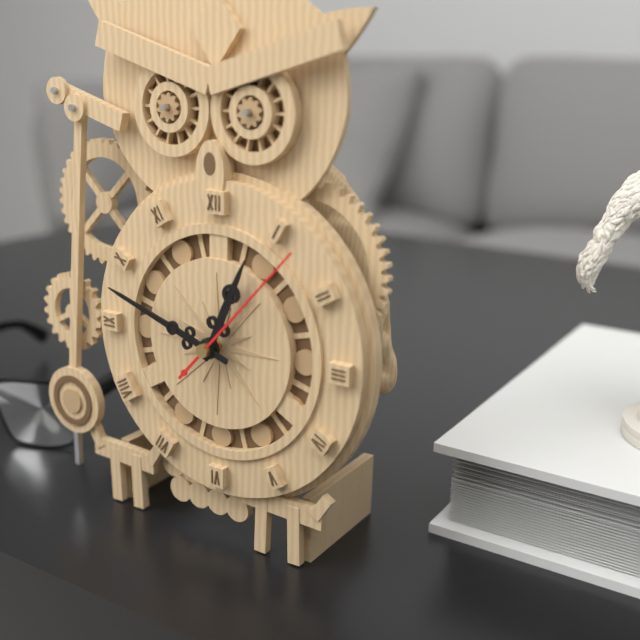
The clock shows 12 h 48 min 07 s
